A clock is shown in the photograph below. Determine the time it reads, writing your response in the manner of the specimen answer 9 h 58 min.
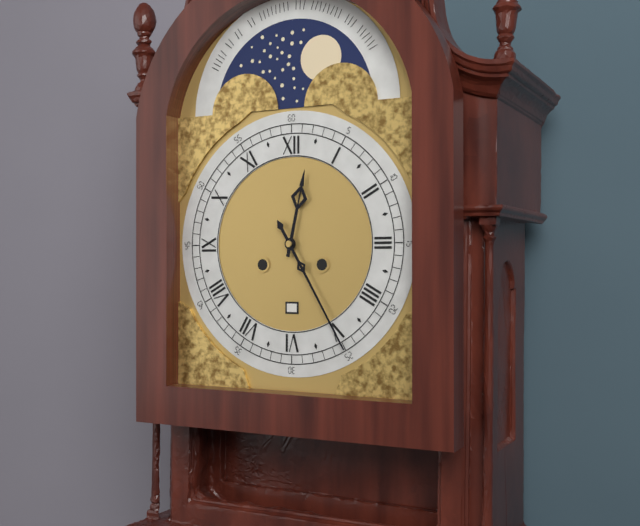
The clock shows 12 h 25 min
